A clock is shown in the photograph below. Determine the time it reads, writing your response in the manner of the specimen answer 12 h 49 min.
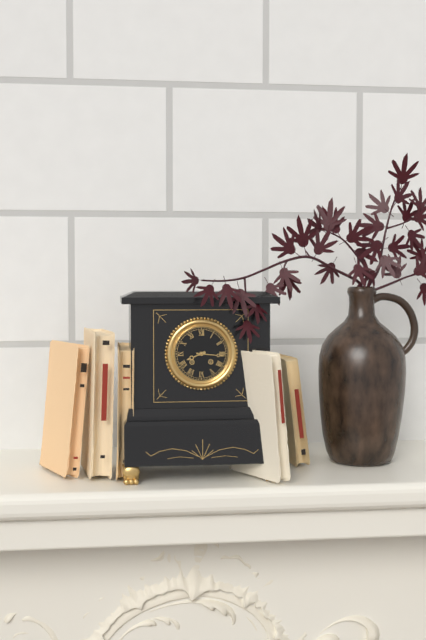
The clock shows 8 h 16 min
